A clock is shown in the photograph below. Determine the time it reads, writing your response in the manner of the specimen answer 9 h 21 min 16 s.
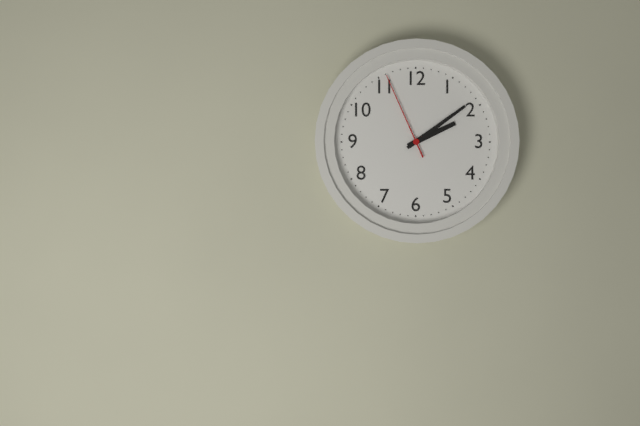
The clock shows 2 h 09 min 56 s
